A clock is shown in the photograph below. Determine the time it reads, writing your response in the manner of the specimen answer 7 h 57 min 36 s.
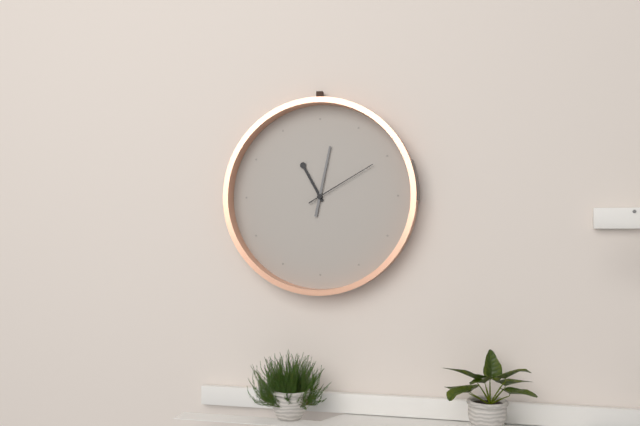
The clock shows 11 h 02 min 10 s
